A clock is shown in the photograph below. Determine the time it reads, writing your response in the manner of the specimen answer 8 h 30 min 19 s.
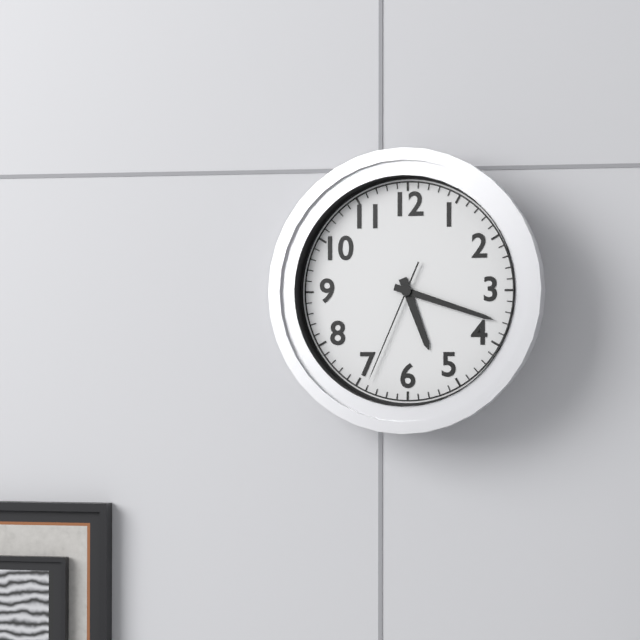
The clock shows 5 h 18 min 34 s
